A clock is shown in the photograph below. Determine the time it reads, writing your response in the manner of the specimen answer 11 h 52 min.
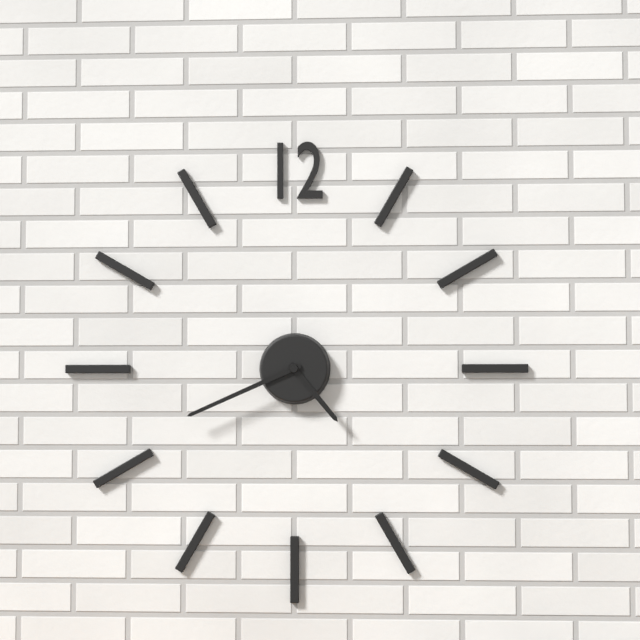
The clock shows 4 h 41 min
